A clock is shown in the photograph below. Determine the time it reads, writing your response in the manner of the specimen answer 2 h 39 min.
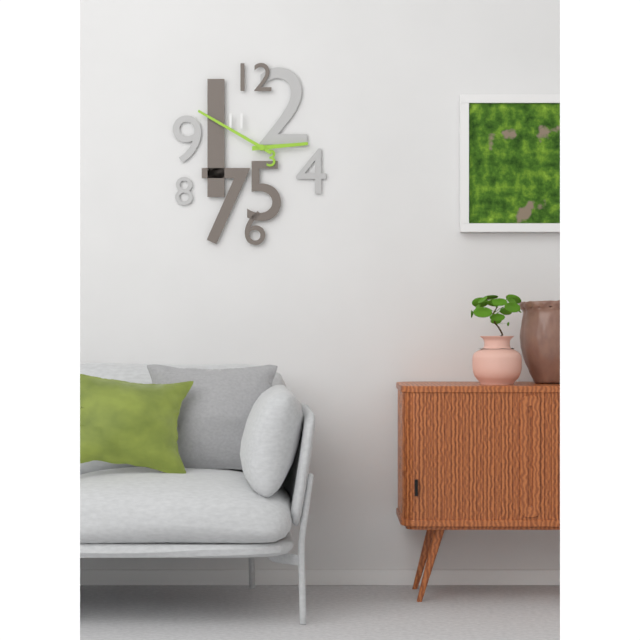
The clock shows 2 h 50 min
